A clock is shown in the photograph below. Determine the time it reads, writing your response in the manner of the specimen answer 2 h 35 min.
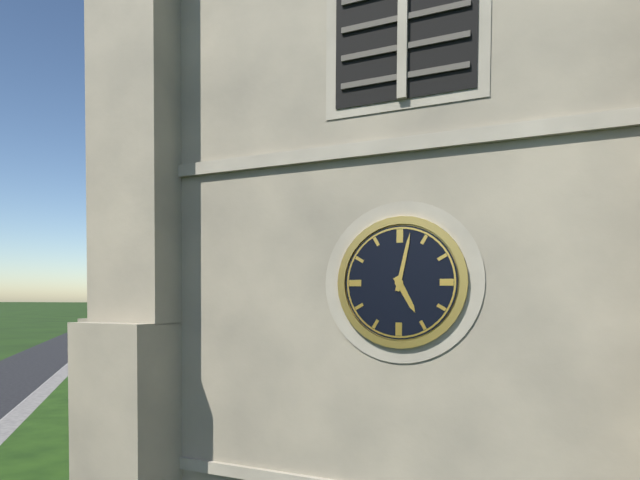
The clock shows 5 h 02 min
